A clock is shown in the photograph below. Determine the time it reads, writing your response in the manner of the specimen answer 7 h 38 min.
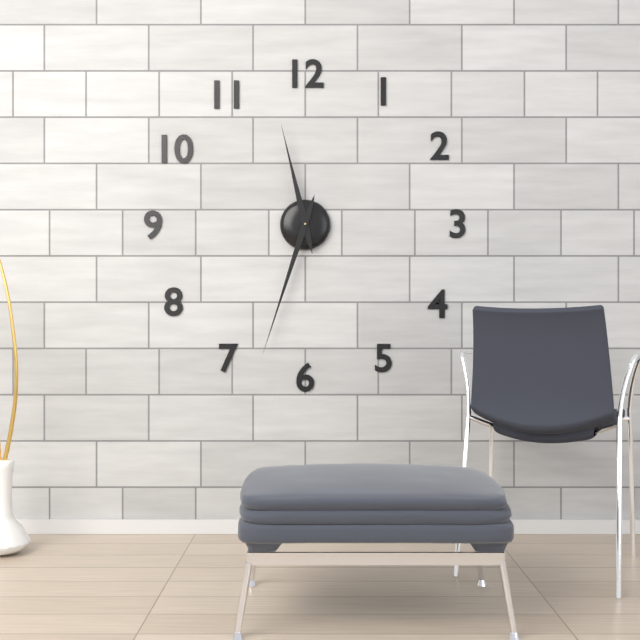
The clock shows 11 h 33 min
